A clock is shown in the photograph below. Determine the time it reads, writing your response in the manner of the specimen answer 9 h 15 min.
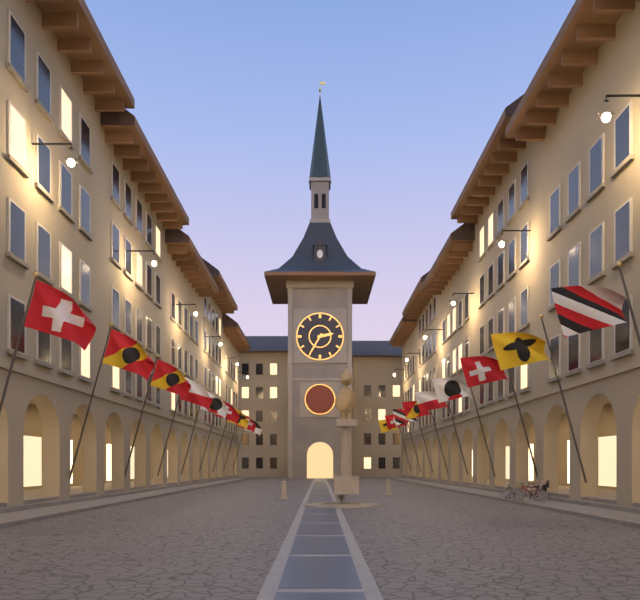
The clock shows 2 h 35 min
